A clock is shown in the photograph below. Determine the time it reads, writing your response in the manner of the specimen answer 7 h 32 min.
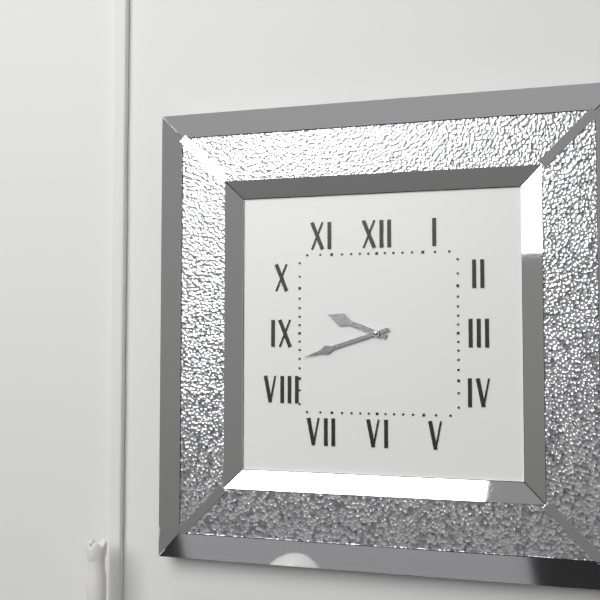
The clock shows 9 h 42 min
